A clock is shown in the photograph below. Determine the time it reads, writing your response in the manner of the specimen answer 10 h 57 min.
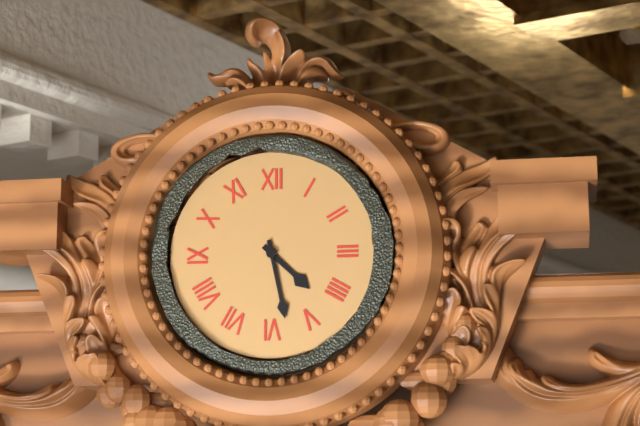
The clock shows 4 h 28 min
